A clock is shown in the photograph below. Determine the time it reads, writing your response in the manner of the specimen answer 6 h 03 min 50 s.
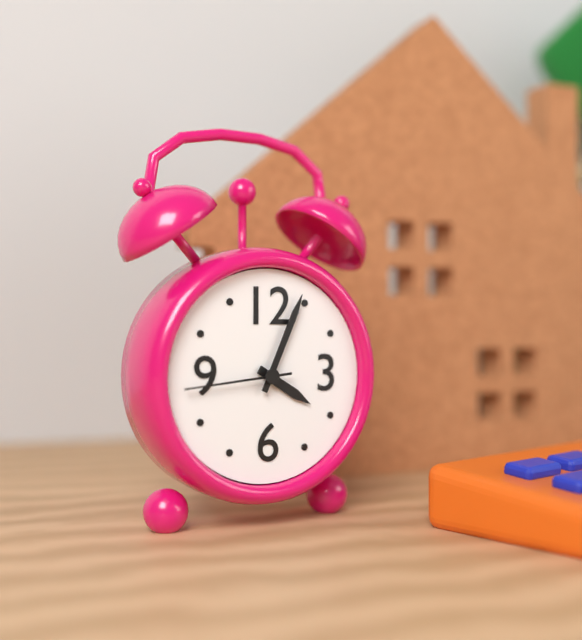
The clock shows 4 h 04 min 44 s
